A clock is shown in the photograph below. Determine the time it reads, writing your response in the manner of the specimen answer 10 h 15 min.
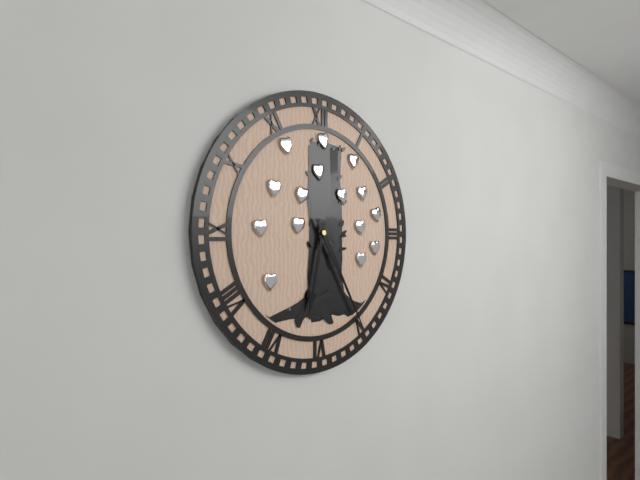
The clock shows 6 h 25 min
